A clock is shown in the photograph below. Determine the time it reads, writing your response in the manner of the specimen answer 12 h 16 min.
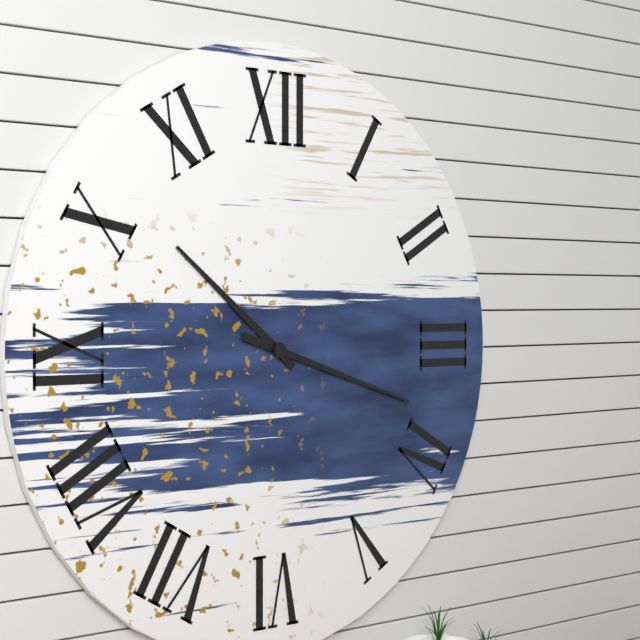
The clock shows 10 h 18 min
